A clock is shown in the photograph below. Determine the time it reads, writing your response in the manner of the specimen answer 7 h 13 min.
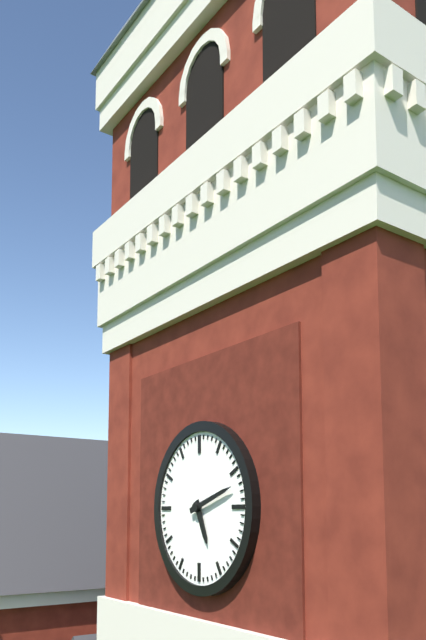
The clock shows 5 h 12 min
